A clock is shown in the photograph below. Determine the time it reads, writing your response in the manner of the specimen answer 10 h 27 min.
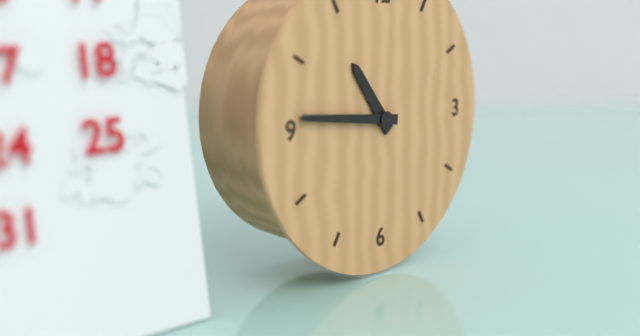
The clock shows 10 h 46 min
